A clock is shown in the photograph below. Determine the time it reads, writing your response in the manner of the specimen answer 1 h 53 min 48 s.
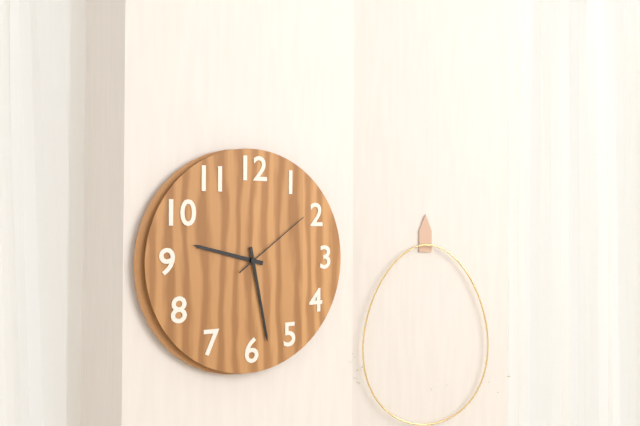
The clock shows 9 h 28 min 09 s
